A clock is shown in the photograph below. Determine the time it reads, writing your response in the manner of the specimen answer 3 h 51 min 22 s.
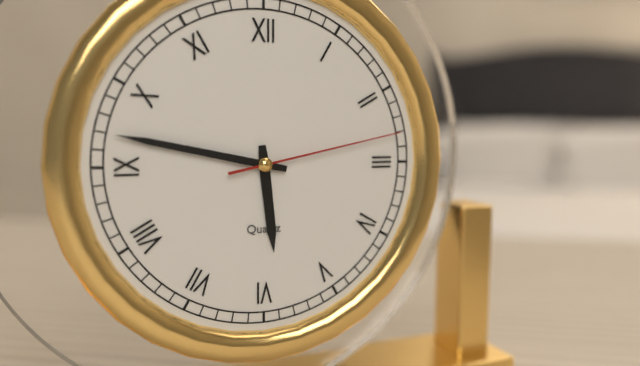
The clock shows 5 h 47 min 13 s
